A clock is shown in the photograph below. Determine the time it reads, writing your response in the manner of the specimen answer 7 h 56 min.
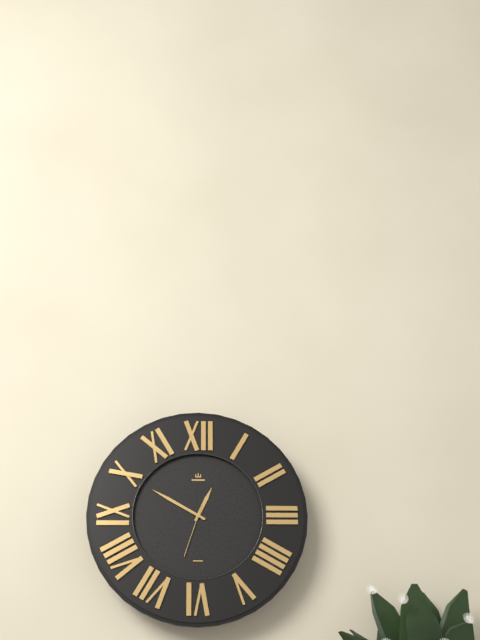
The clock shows 12 h 50 min
